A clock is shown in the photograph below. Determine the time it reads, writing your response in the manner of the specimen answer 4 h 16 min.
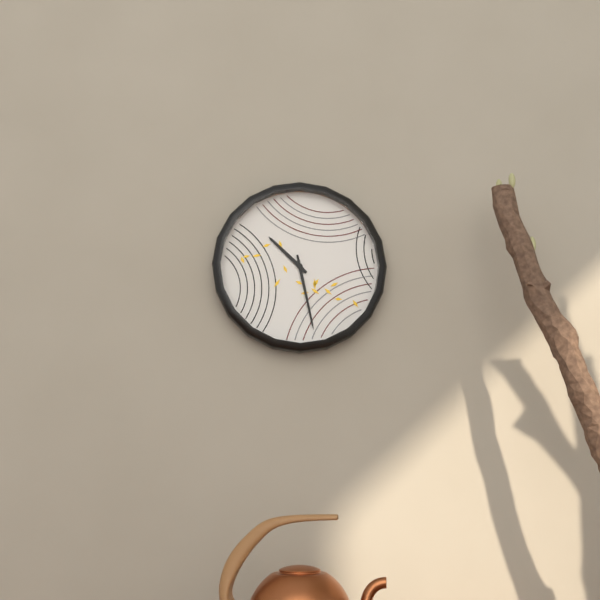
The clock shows 10 h 28 min
